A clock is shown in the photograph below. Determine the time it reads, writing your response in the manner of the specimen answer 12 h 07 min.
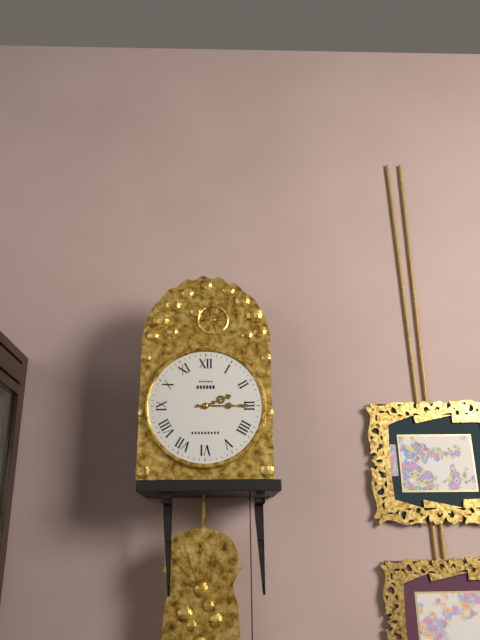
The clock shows 2 h 15 min
